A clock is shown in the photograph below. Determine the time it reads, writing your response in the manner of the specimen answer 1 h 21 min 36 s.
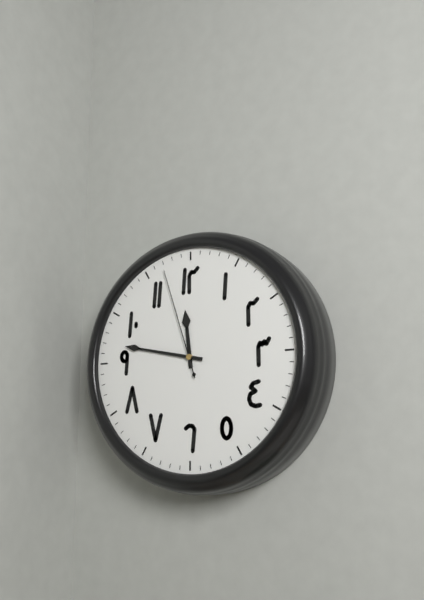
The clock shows 11 h 47 min 57 s
